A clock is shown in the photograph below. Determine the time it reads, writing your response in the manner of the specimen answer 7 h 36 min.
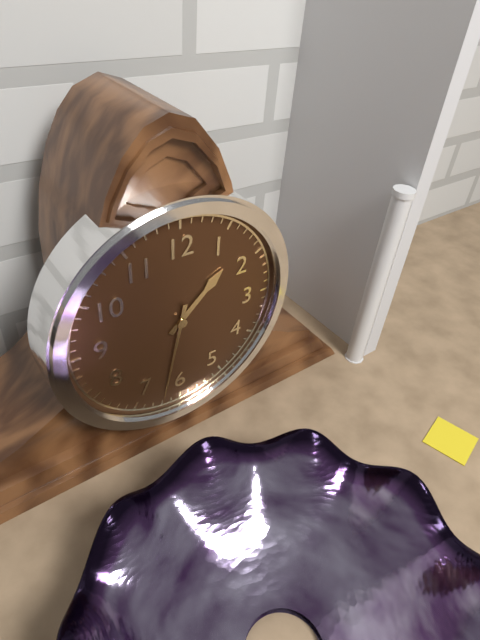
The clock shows 1 h 32 min
